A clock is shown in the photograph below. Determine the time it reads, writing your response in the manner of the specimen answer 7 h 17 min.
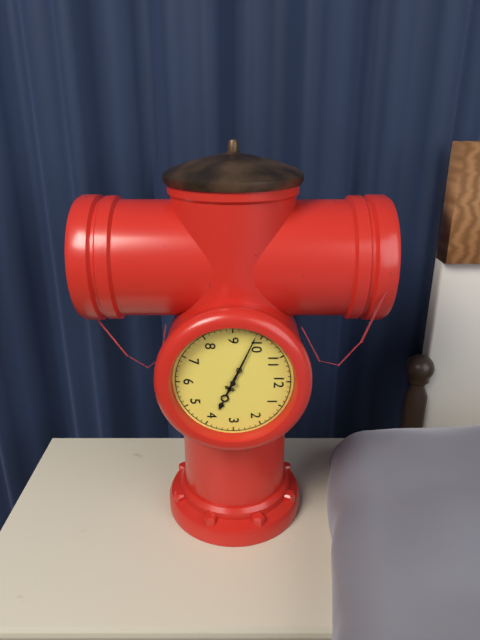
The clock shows 3 h 49 min
